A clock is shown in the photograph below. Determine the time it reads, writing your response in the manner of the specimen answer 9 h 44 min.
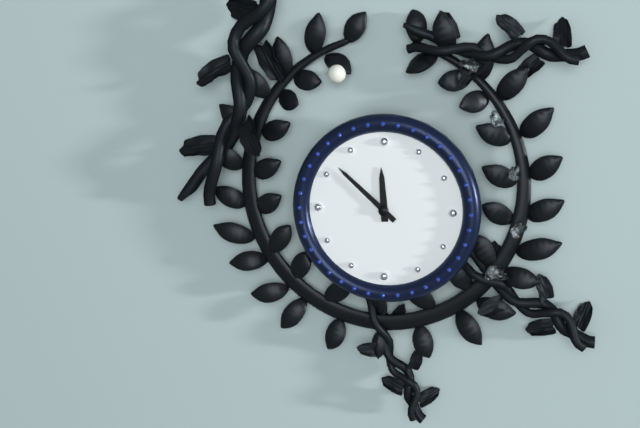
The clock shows 11 h 52 min
